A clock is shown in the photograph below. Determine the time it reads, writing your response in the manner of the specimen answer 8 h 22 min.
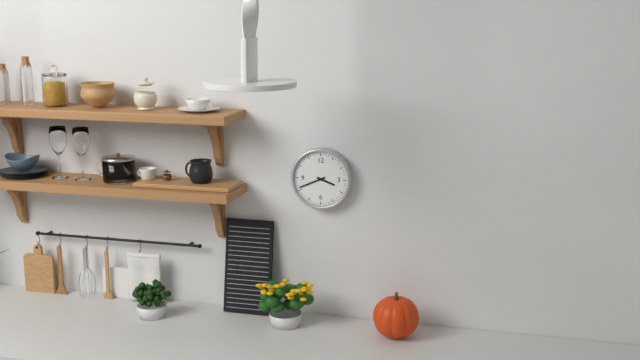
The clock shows 3 h 41 min
